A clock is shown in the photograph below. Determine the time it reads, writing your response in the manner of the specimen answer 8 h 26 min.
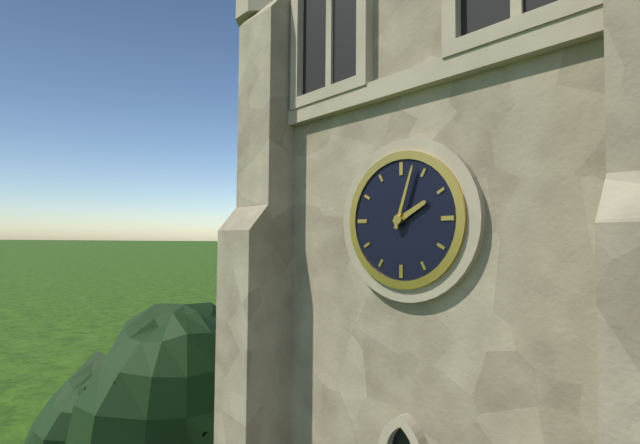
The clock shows 2 h 03 min
